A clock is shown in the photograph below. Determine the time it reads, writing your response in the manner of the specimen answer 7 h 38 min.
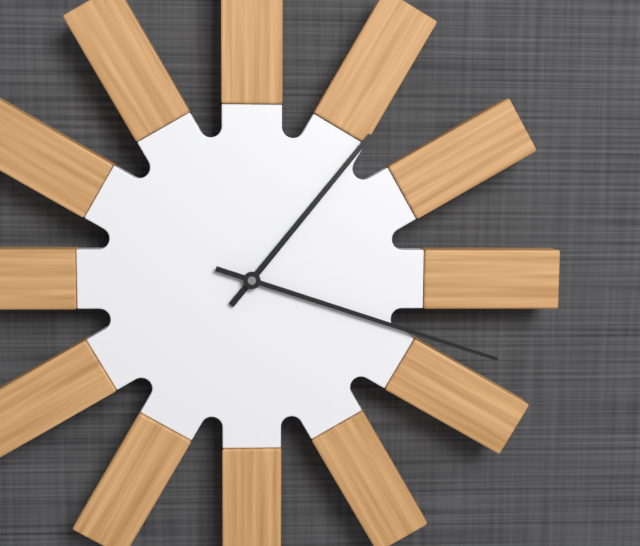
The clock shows 1 h 18 min
